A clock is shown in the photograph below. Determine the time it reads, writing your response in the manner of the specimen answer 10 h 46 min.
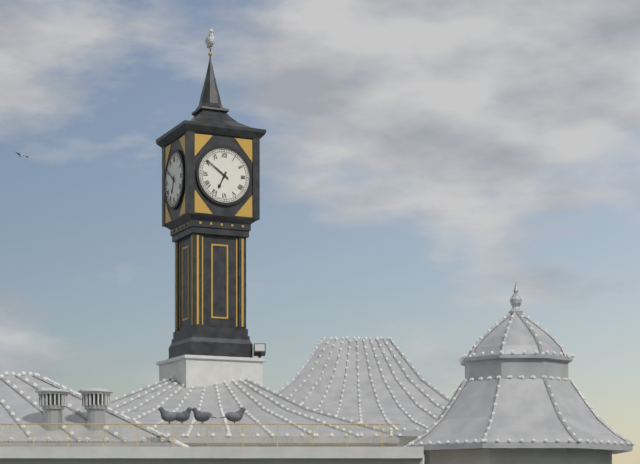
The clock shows 6 h 51 min
